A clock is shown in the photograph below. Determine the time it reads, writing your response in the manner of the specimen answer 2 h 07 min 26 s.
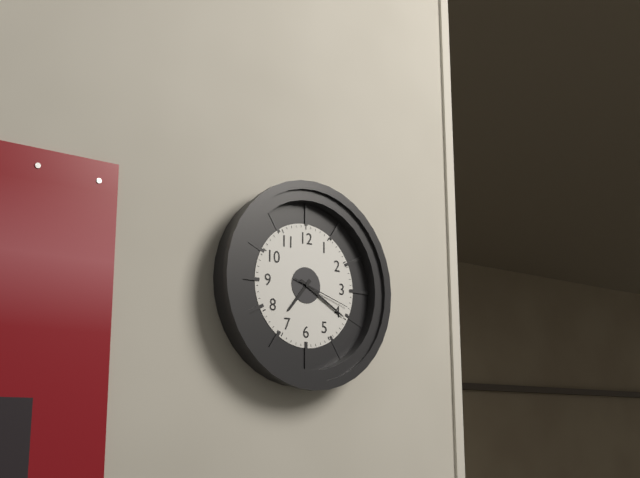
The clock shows 7 h 20 min 18 s
